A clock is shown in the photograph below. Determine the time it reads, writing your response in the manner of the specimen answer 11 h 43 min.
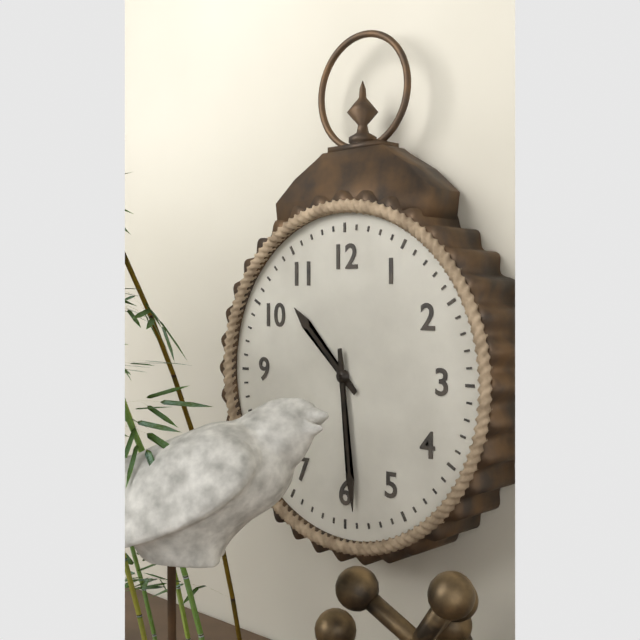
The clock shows 10 h 29 min
